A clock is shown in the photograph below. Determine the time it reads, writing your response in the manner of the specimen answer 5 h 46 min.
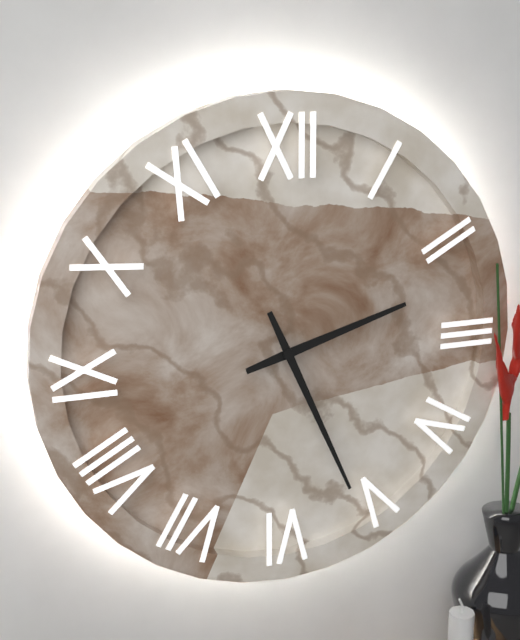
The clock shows 2 h 26 min
